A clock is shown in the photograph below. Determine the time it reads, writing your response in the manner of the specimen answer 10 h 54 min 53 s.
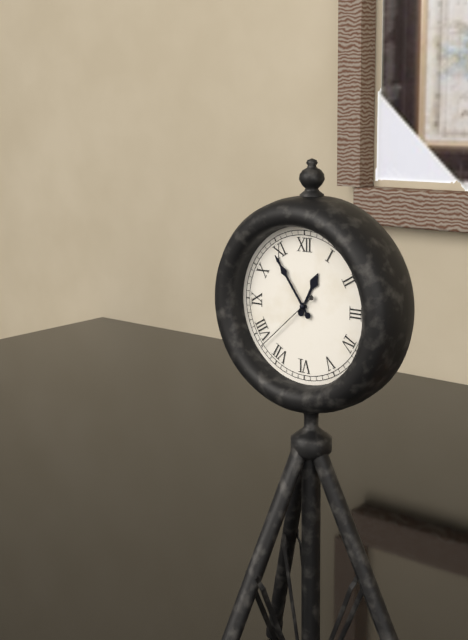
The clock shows 12 h 54 min 38 s
